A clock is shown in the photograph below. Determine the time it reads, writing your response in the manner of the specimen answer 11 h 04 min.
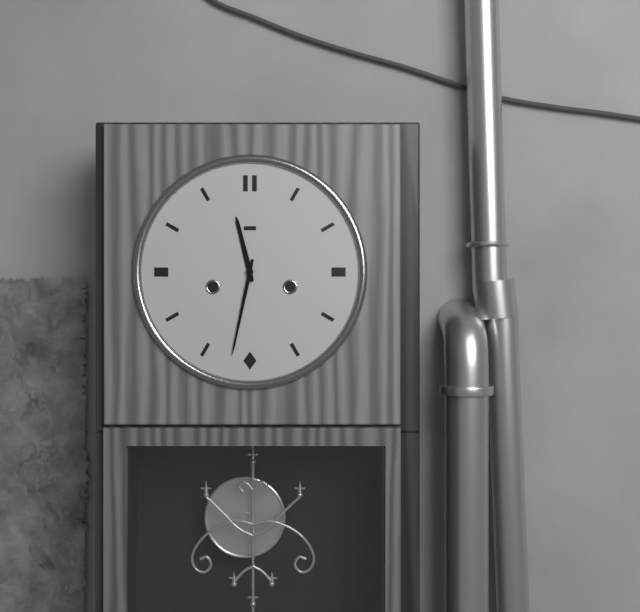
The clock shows 11 h 32 min
